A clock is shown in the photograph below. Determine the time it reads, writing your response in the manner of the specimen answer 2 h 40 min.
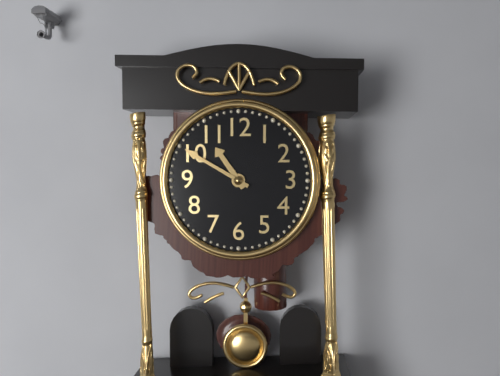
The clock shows 10 h 50 min
